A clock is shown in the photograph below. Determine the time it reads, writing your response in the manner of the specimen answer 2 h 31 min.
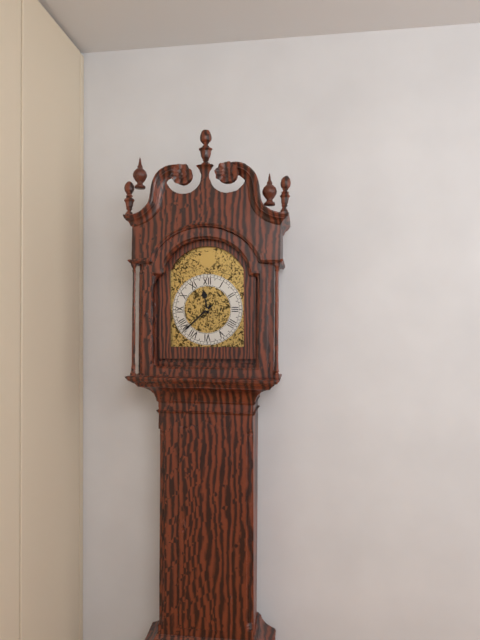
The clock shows 11 h 38 min
